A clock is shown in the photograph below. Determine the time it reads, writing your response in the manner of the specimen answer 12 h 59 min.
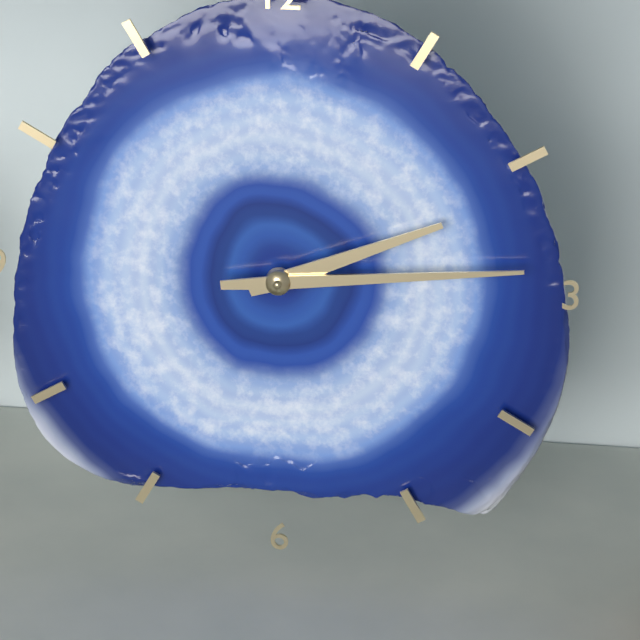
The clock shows 2 h 14 min
